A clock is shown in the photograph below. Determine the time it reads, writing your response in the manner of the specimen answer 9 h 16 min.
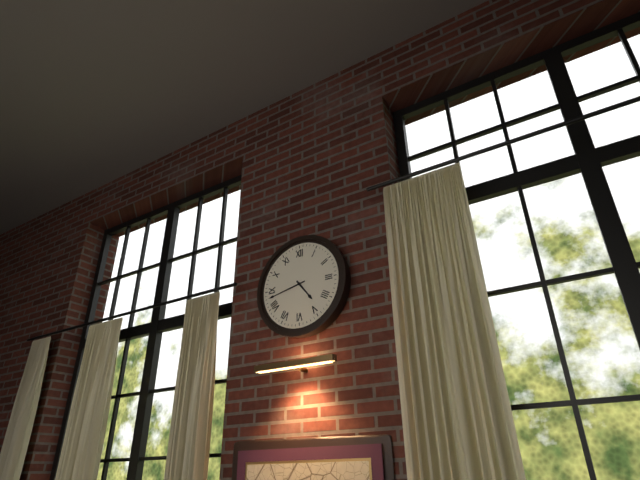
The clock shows 4 h 43 min
